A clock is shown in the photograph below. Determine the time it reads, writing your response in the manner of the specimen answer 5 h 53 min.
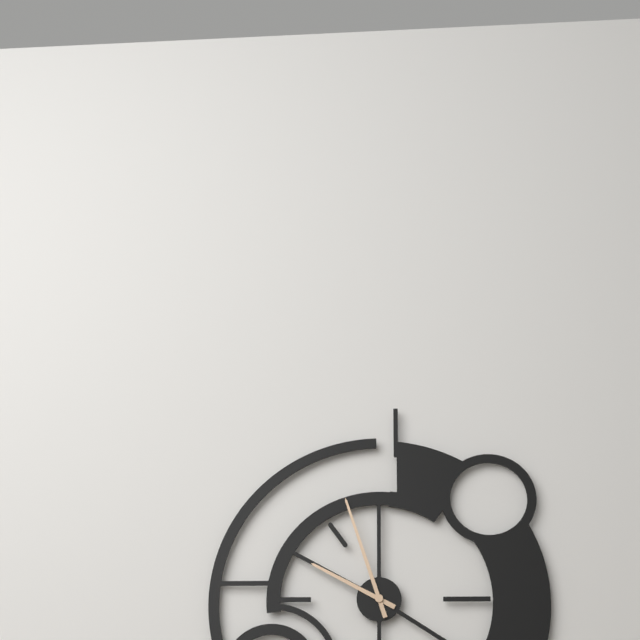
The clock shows 9 h 57 min
